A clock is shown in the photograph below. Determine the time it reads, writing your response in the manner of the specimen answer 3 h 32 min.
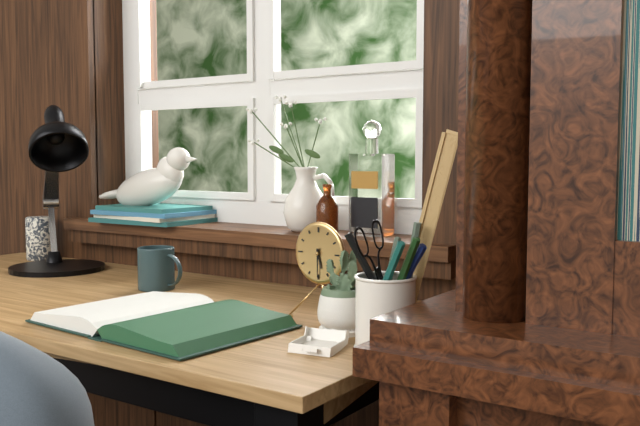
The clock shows 5 h 30 min
